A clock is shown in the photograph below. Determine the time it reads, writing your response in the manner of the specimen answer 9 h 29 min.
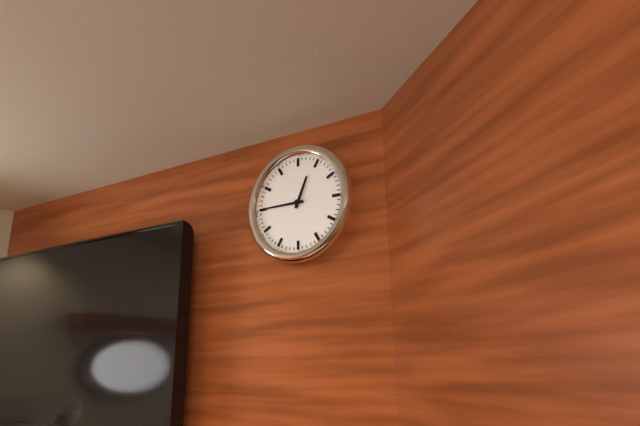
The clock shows 12 h 45 min
